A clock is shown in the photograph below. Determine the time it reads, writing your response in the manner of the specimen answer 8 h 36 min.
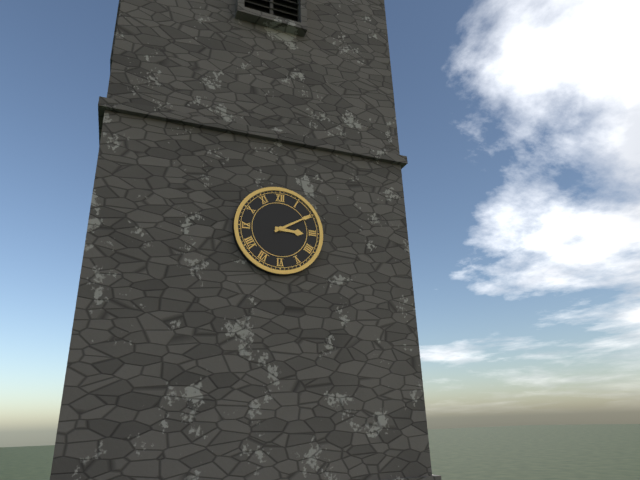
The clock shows 3 h 10 min
